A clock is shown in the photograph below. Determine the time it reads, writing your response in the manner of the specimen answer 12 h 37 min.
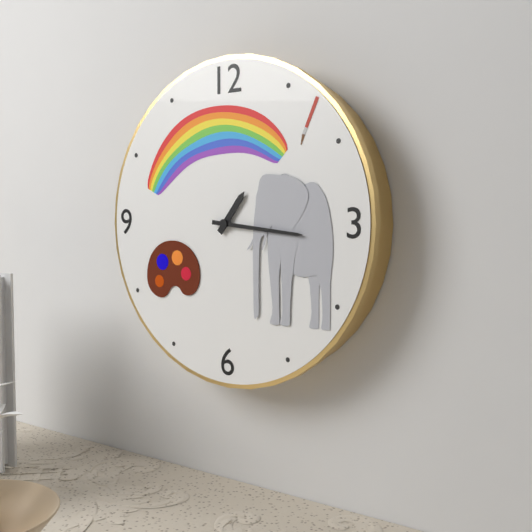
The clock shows 1 h 16 min
